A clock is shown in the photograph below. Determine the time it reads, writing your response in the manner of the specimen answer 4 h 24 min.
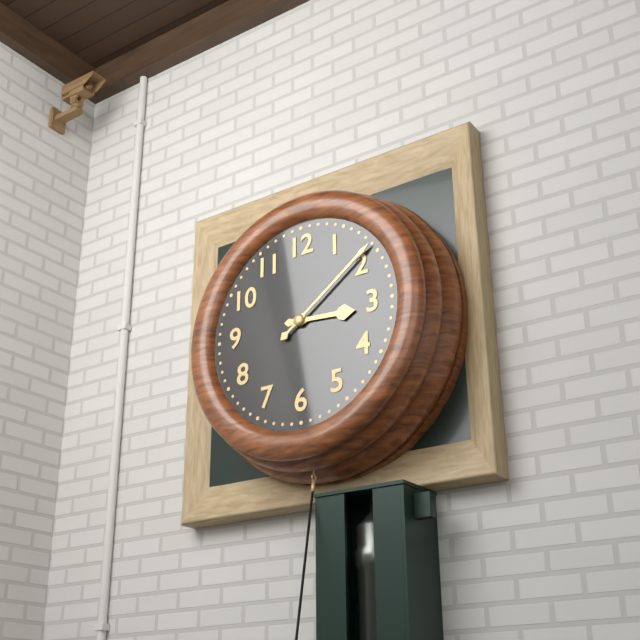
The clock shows 3 h 09 min
